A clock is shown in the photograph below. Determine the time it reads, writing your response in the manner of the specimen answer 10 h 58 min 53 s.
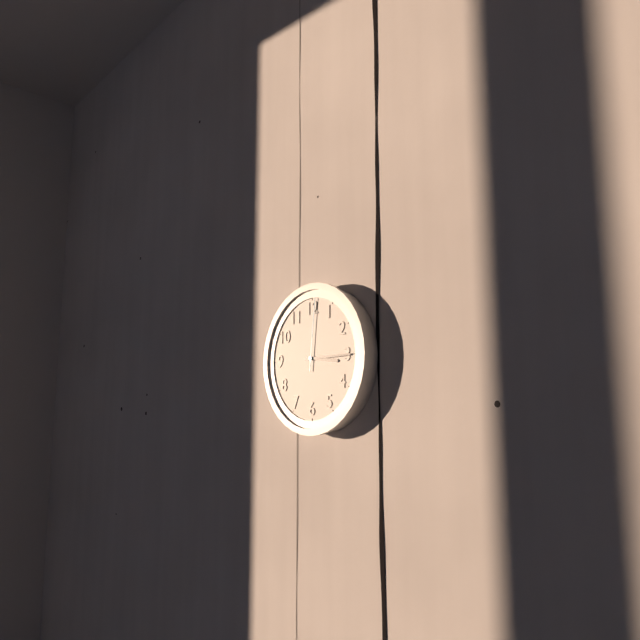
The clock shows 3 h 15 min 01 s
